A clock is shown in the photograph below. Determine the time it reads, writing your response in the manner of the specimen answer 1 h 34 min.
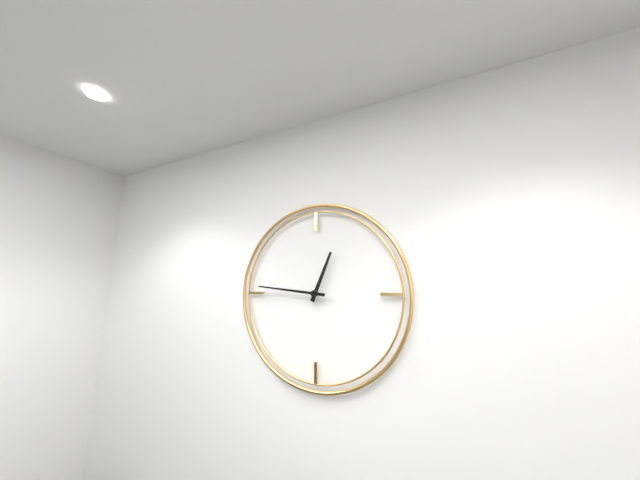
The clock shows 12 h 46 min
